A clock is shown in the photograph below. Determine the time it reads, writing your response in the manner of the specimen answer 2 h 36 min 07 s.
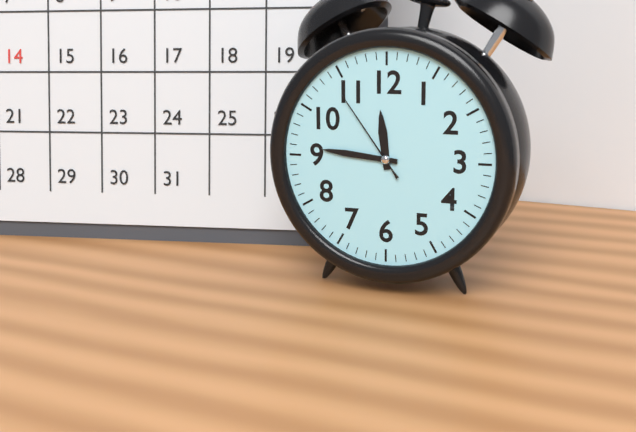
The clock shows 11 h 46 min 54 s
